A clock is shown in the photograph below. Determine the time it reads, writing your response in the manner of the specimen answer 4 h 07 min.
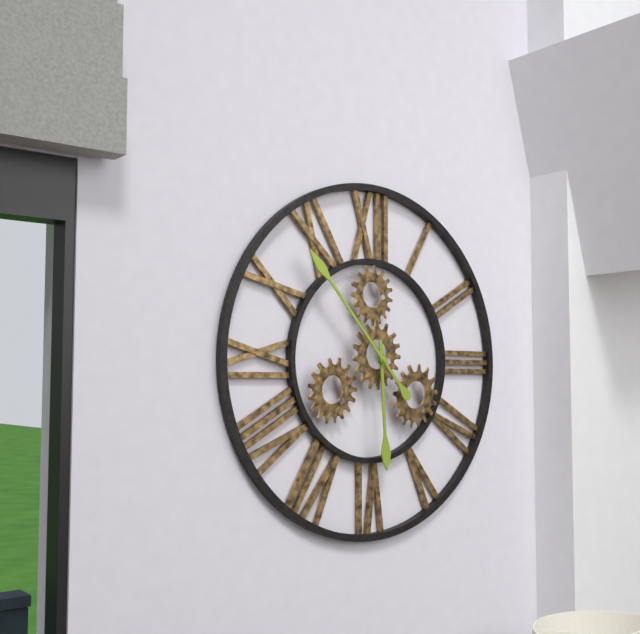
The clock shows 5 h 53 min
